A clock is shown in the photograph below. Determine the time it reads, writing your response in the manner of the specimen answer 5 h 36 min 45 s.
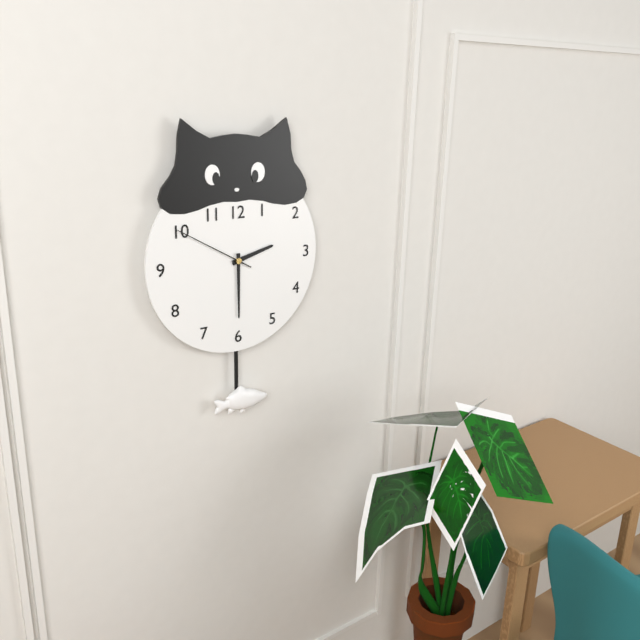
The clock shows 2 h 30 min 50 s
